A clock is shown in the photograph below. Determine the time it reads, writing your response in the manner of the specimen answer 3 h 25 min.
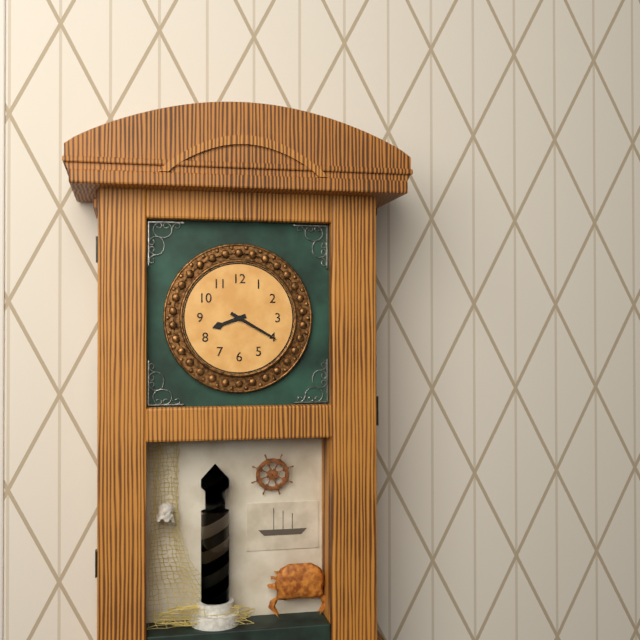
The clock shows 8 h 20 min
